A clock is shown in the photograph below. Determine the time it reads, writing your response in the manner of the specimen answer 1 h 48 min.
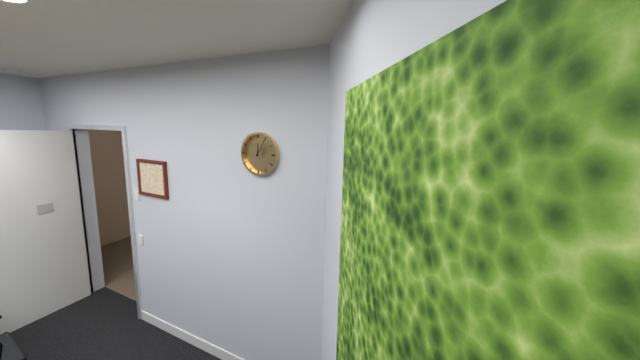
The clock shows 12 h 05 min
